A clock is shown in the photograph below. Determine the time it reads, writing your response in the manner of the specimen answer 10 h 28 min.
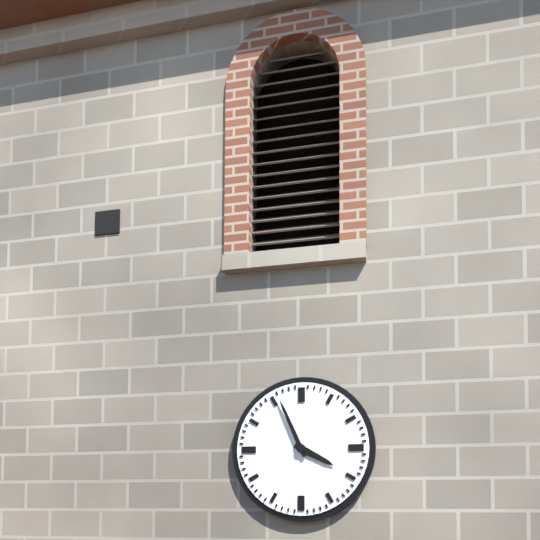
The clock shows 3 h 56 min
